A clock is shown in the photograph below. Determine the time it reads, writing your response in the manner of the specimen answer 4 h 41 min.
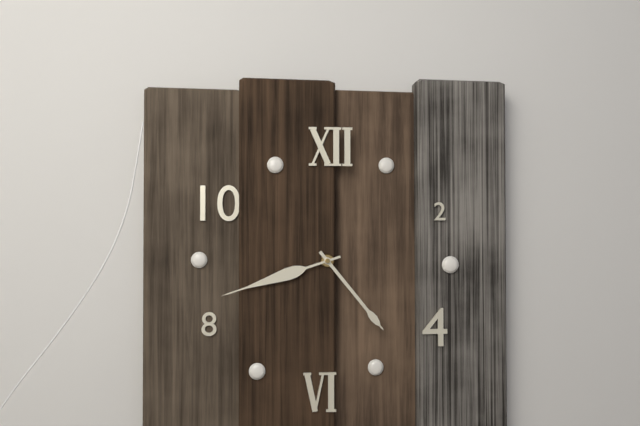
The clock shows 4 h 42 min
